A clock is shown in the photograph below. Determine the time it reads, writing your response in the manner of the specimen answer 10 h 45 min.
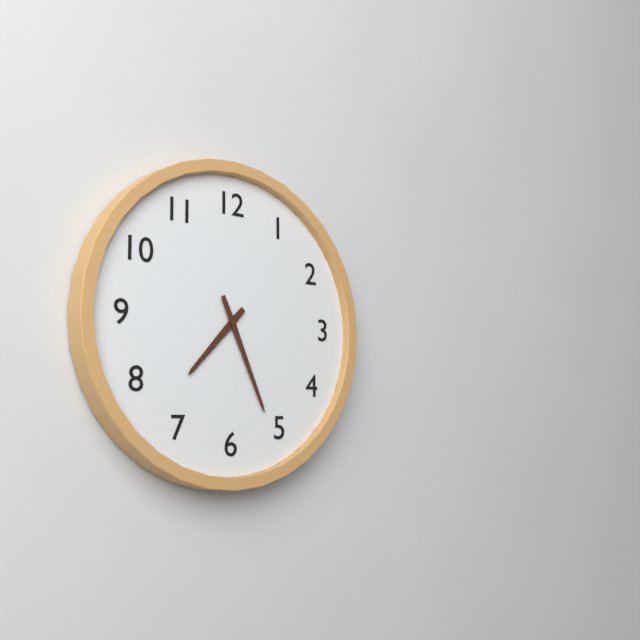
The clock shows 7 h 26 min
